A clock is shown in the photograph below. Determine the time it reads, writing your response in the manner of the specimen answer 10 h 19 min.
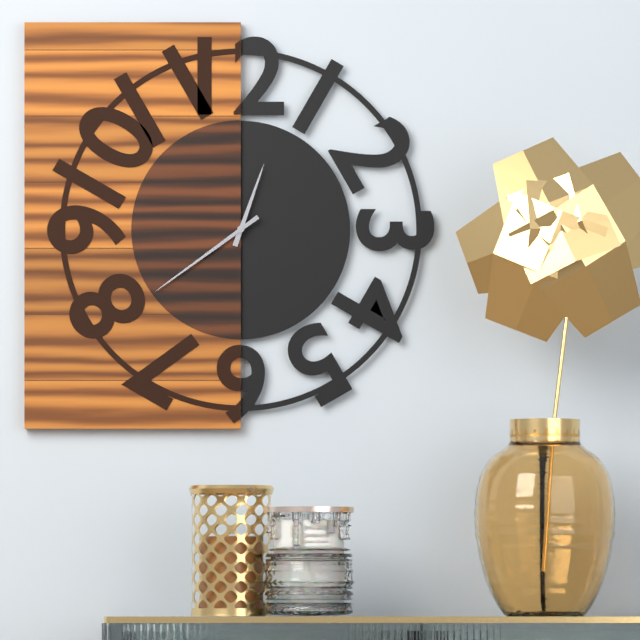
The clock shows 12 h 39 min
